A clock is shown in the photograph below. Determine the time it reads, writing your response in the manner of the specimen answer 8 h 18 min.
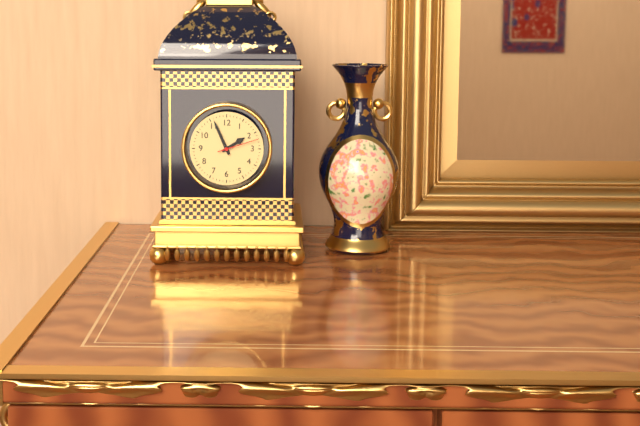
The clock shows 1 h 56 min
